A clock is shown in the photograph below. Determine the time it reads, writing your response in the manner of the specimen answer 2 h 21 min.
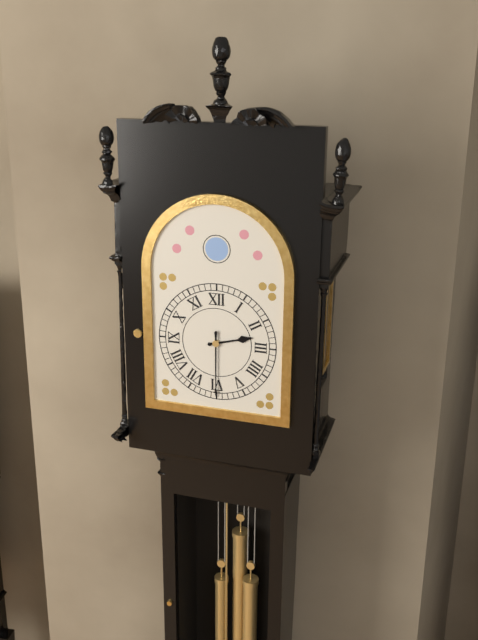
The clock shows 2 h 30 min
